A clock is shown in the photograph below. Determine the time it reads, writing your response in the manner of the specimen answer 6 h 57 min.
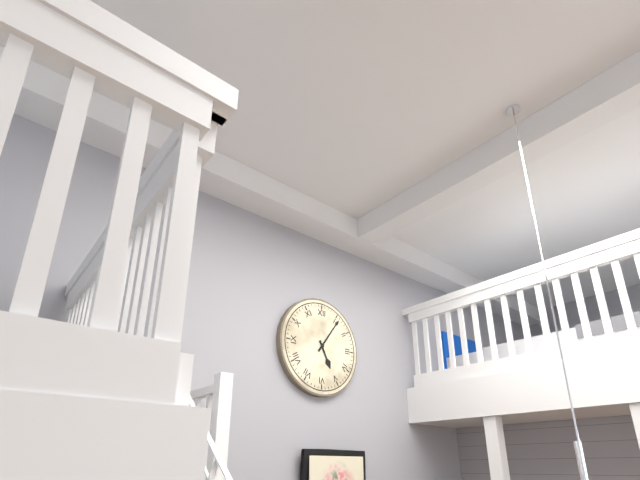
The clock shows 5 h 06 min
